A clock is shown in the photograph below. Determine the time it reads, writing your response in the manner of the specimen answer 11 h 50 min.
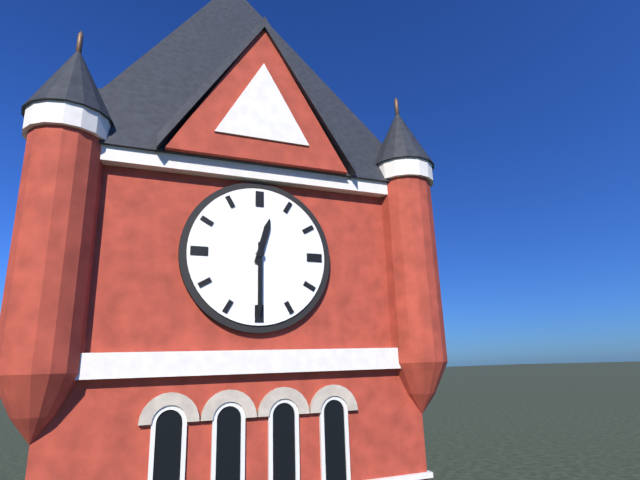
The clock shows 12 h 30 min
